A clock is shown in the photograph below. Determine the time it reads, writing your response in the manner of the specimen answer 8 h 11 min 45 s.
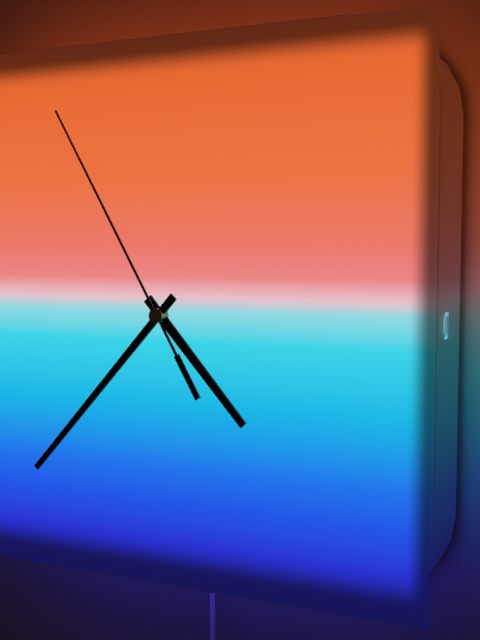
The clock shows 4 h 37 min 55 s
